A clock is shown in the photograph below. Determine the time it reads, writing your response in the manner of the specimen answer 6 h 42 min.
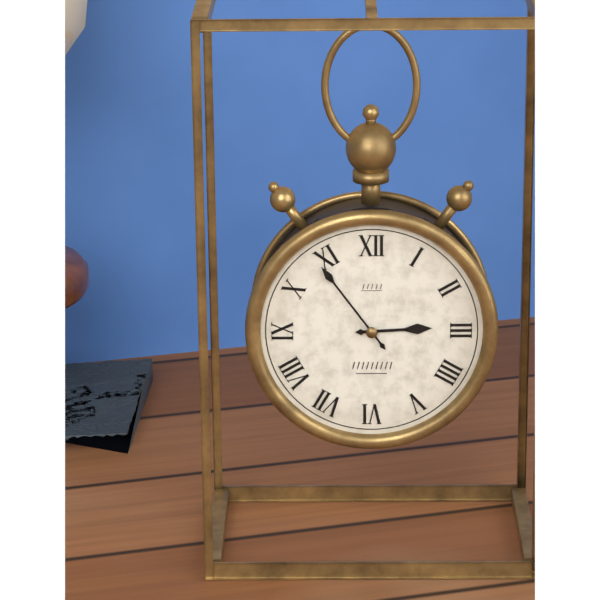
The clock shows 2 h 54 min
